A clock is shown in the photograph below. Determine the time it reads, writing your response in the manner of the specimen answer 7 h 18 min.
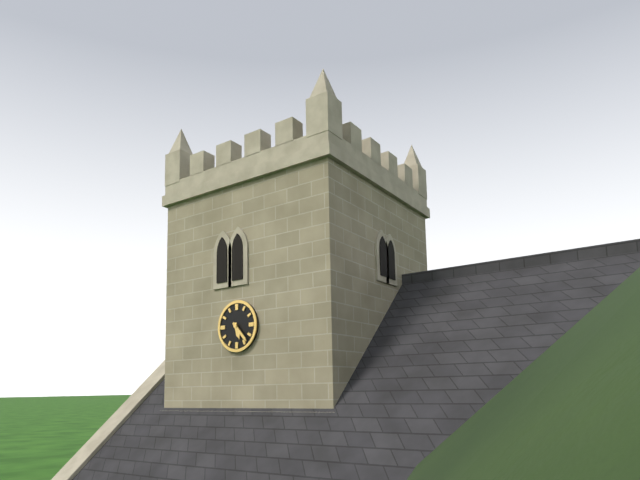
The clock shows 5 h 23 min
